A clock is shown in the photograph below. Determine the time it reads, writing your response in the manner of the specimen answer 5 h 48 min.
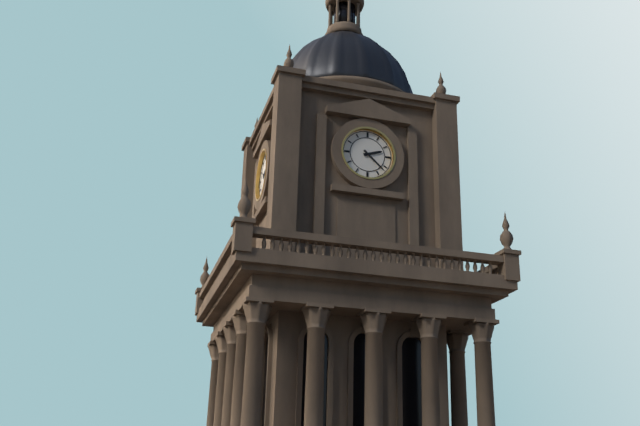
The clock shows 2 h 22 min
